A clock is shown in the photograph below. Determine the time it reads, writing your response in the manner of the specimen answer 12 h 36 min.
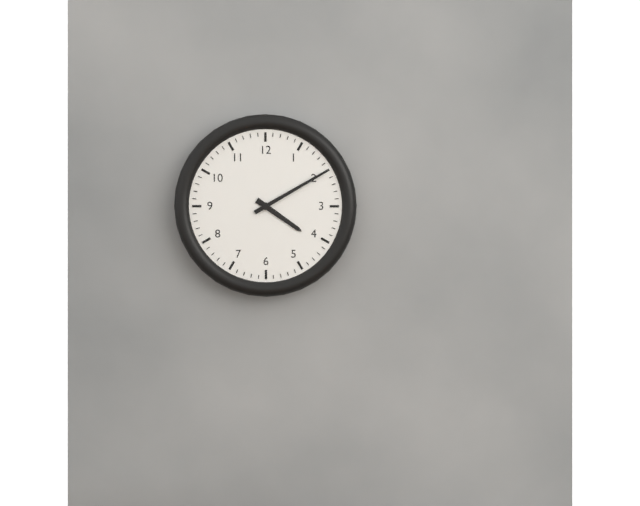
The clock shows 4 h 10 min
